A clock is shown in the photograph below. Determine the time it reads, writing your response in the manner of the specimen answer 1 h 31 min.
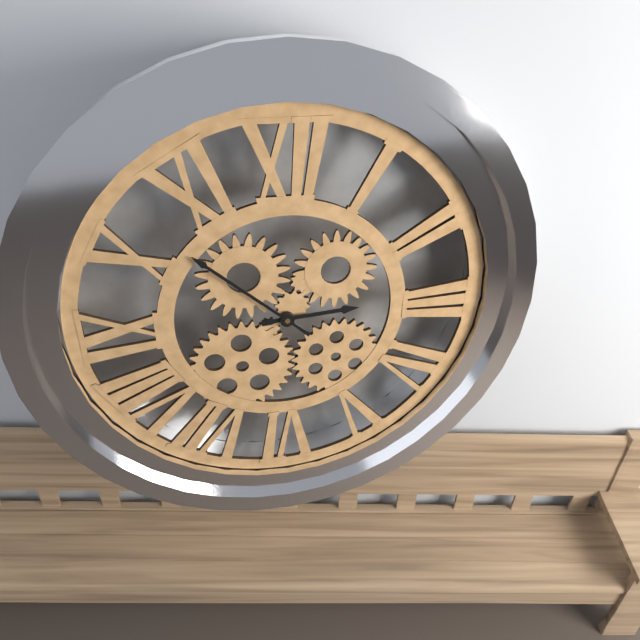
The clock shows 2 h 52 min
